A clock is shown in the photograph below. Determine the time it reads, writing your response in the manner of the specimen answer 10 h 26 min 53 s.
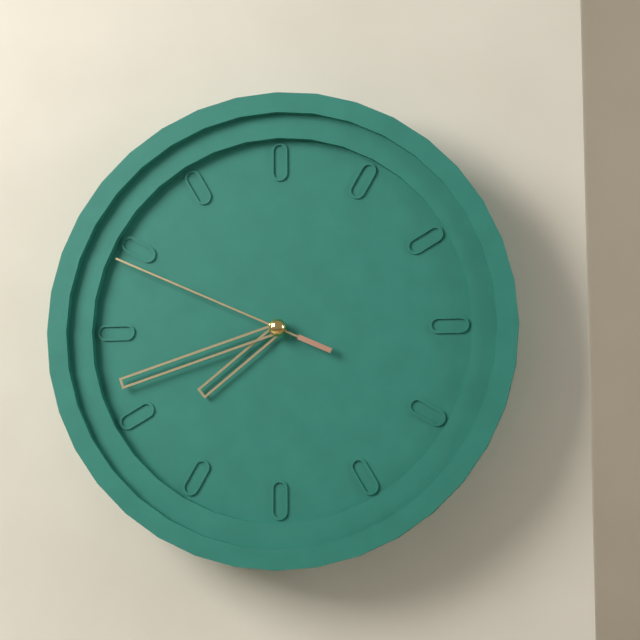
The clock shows 7 h 42 min 49 s
